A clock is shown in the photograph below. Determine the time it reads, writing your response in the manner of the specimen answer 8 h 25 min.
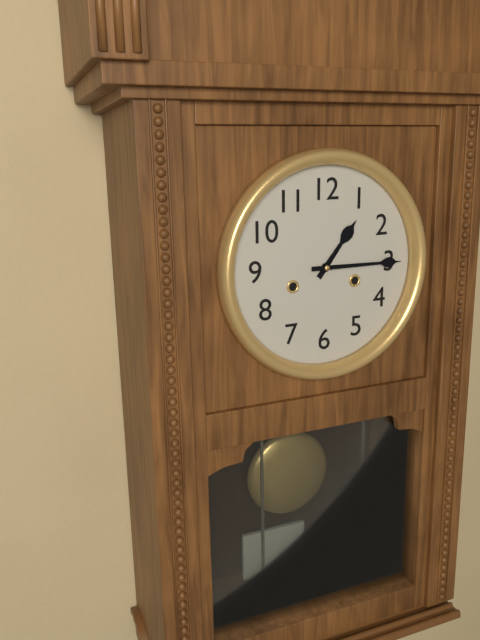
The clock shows 1 h 15 min
